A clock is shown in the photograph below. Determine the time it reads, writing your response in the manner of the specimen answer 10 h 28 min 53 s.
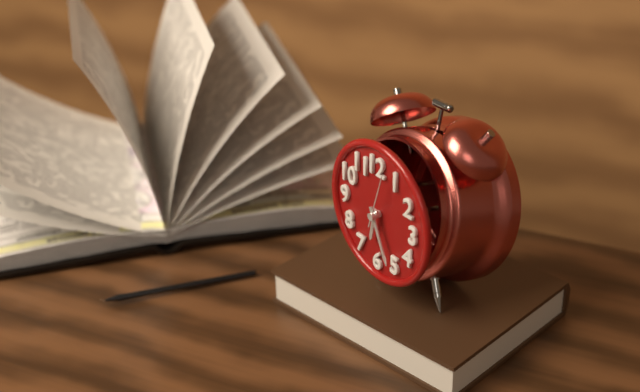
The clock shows 6 h 26 min 03 s
